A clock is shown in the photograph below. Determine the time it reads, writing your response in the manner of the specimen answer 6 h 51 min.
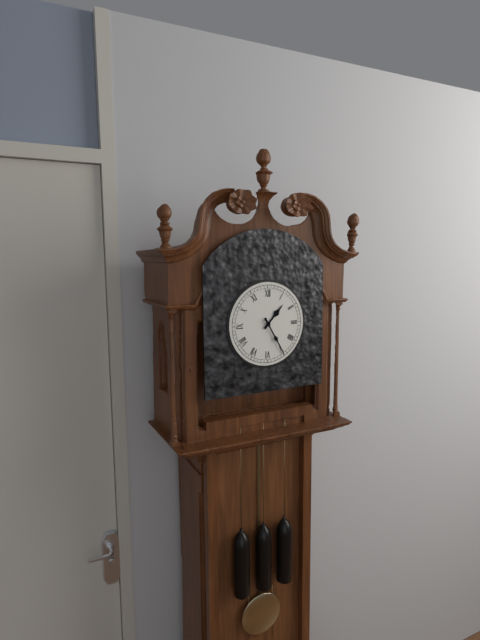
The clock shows 1 h 25 min
